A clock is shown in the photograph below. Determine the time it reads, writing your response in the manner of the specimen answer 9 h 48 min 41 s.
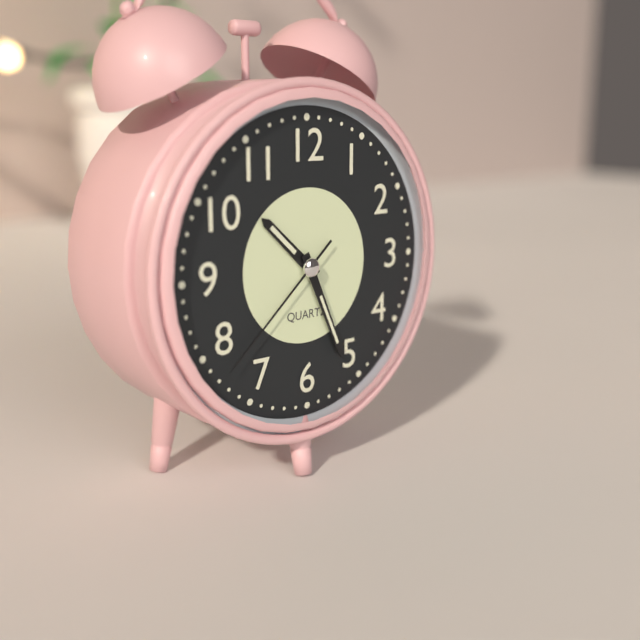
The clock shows 10 h 26 min 38 s
